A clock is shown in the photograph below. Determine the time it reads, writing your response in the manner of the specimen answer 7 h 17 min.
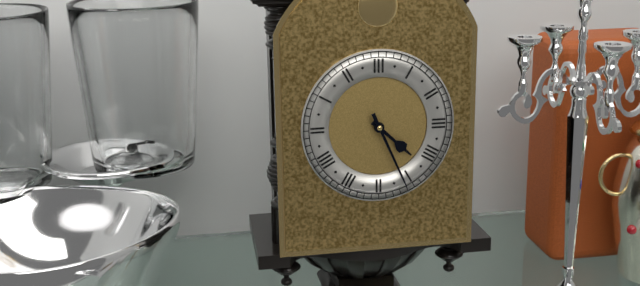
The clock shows 4 h 26 min
